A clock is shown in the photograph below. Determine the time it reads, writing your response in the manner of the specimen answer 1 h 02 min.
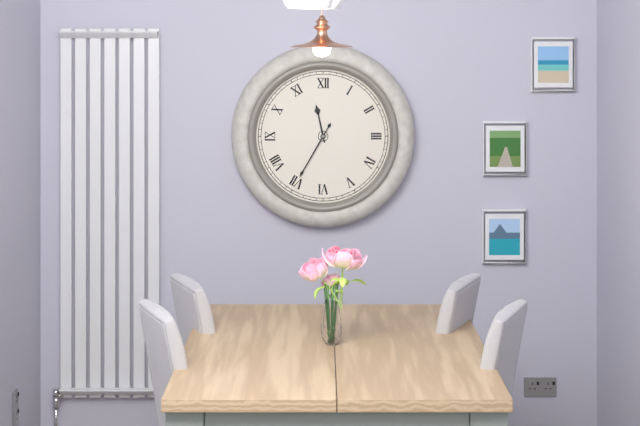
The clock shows 11 h 35 min
